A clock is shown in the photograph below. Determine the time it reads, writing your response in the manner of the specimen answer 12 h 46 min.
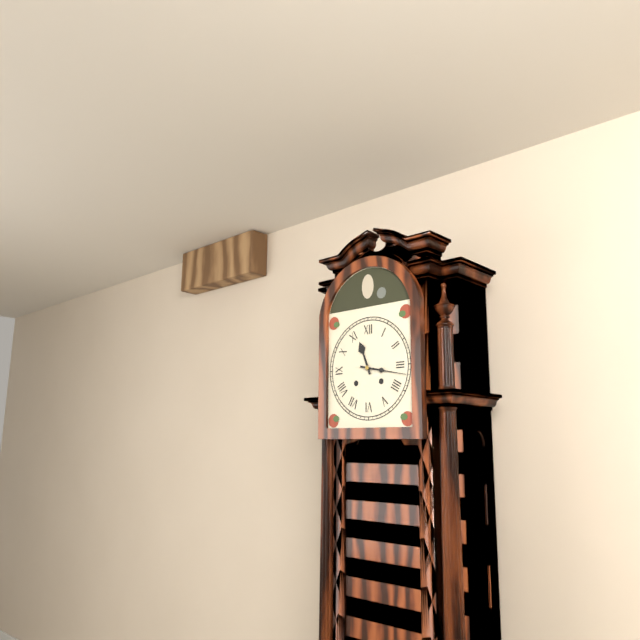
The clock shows 11 h 17 min
